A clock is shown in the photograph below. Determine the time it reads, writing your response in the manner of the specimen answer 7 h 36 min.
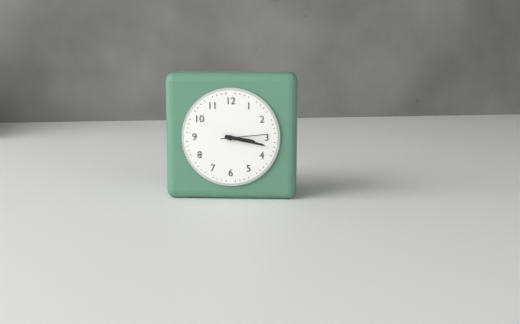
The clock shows 3 h 17 min
